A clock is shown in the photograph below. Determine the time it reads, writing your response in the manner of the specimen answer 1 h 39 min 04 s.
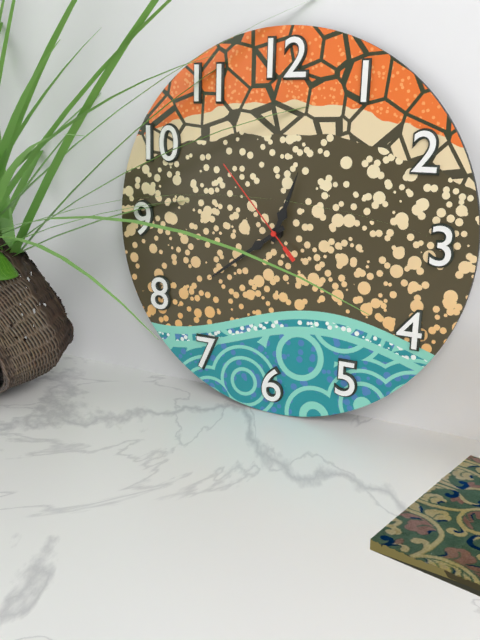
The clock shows 12 h 39 min 53 s
